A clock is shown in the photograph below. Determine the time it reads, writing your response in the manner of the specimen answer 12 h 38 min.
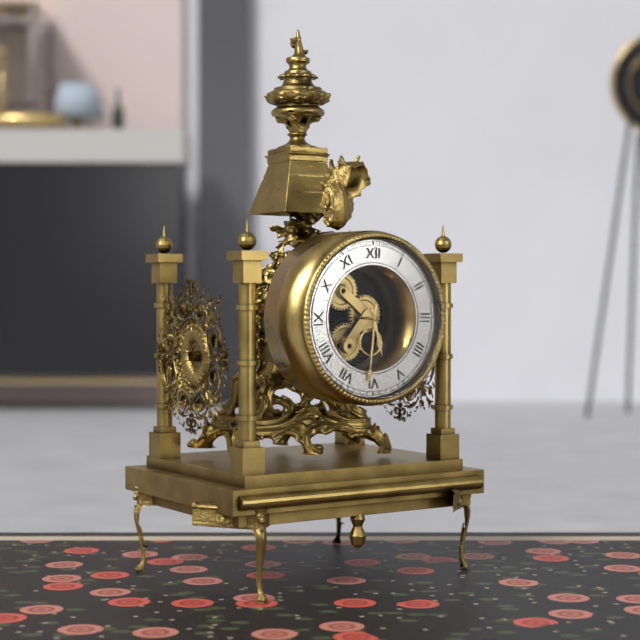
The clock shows 5 h 31 min
